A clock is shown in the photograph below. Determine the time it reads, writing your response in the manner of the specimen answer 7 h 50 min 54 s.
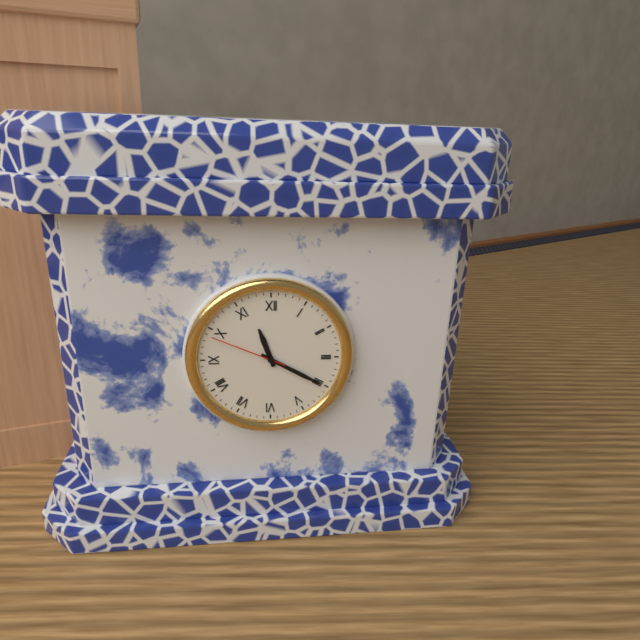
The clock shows 11 h 20 min 49 s
